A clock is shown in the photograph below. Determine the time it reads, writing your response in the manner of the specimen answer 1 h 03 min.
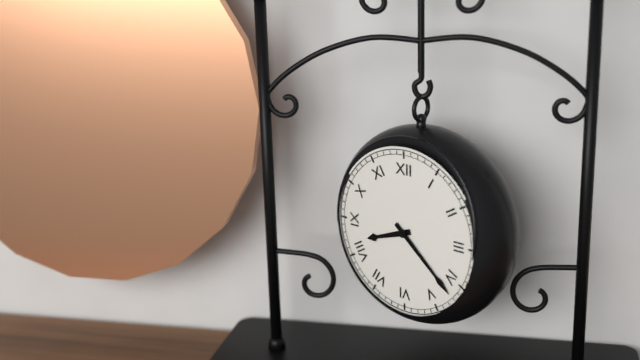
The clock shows 8 h 22 min
